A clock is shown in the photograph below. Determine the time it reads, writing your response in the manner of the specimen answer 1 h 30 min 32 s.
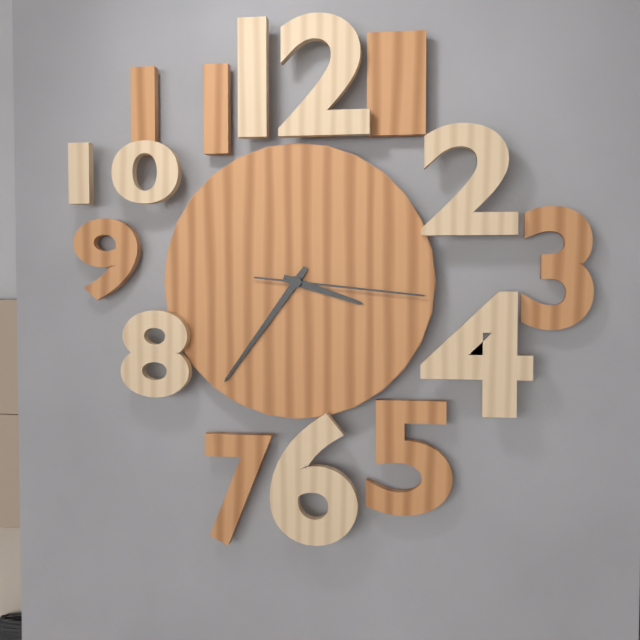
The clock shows 3 h 36 min 16 s
